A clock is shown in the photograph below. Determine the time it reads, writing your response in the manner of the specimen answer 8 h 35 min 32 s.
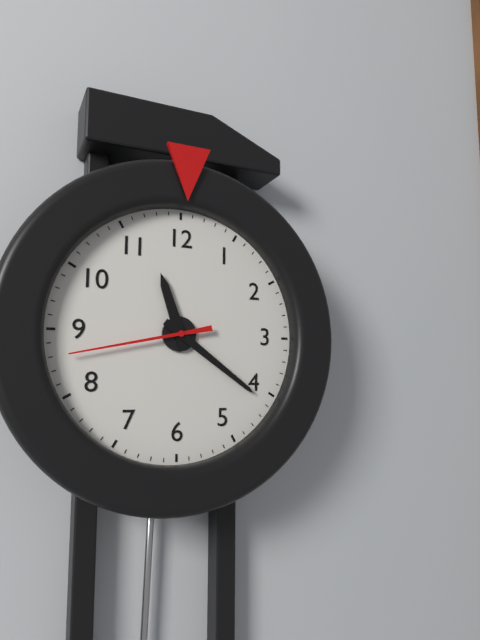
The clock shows 11 h 21 min 43 s
